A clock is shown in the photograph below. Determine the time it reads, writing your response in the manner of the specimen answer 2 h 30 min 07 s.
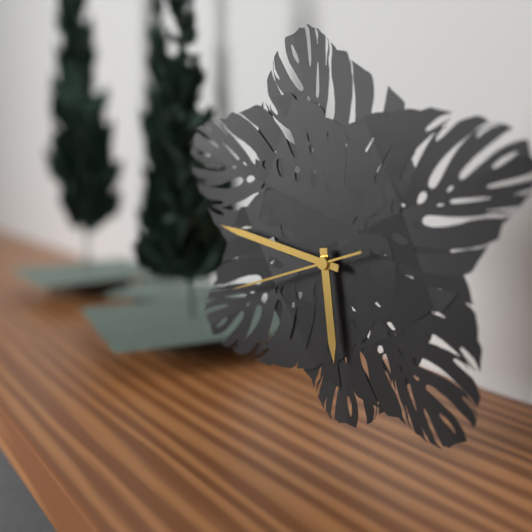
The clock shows 5 h 47 min 42 s
